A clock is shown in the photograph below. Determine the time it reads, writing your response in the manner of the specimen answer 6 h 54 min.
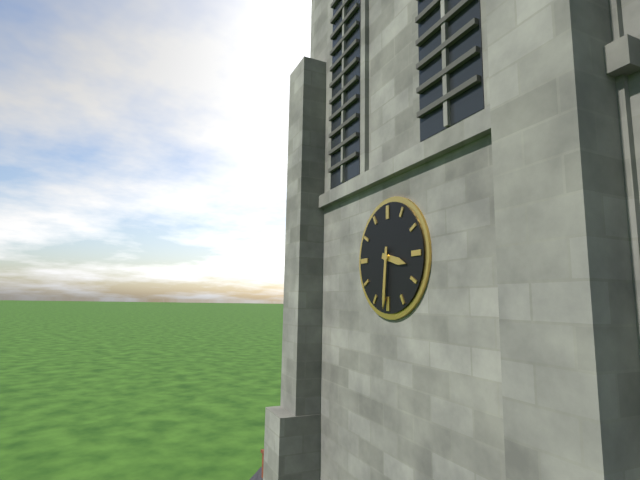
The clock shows 3 h 31 min
